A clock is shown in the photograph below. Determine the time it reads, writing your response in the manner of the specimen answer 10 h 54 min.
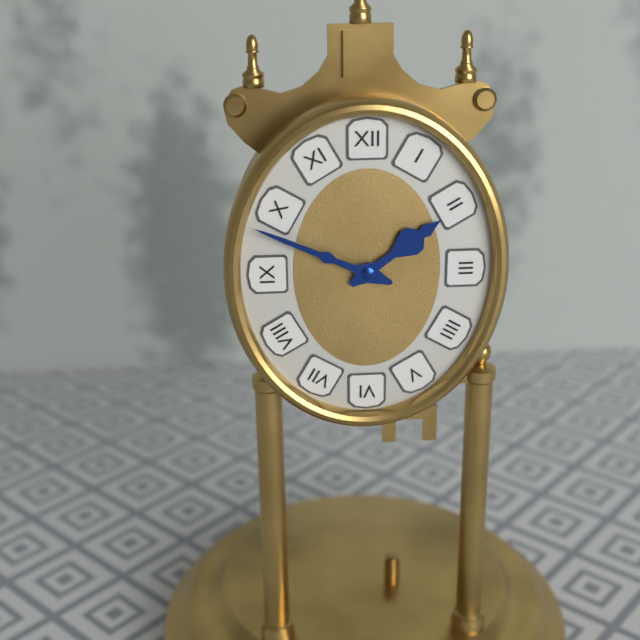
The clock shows 1 h 49 min
